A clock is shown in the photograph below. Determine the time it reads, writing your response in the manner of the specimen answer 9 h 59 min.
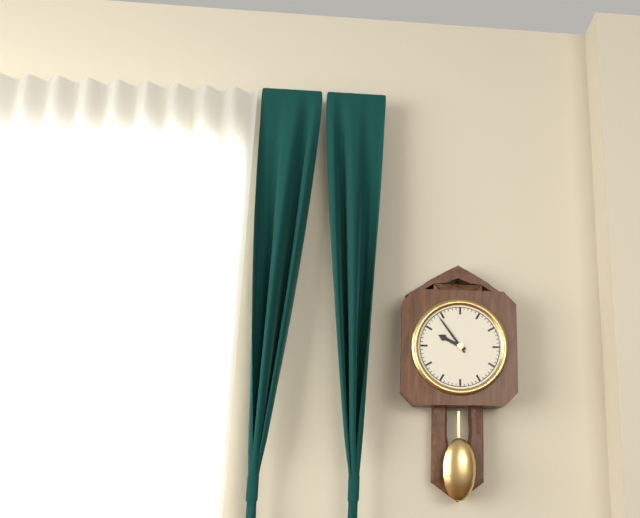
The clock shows 9 h 54 min
